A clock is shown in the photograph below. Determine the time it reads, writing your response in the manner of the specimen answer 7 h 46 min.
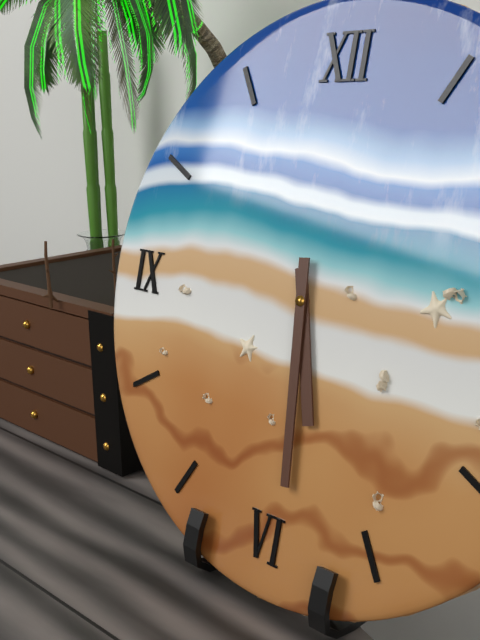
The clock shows 5 h 29 min
